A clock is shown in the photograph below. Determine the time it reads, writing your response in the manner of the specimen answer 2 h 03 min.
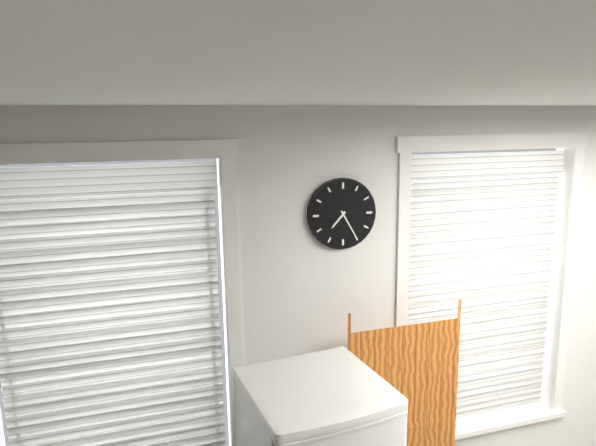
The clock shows 7 h 25 min
